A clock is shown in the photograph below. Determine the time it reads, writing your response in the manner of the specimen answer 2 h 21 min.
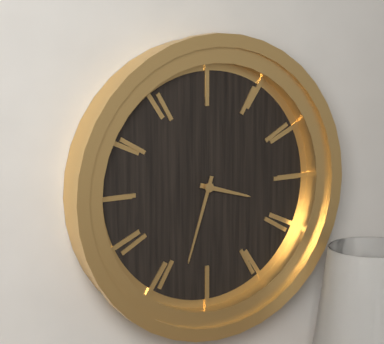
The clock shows 3 h 33 min
